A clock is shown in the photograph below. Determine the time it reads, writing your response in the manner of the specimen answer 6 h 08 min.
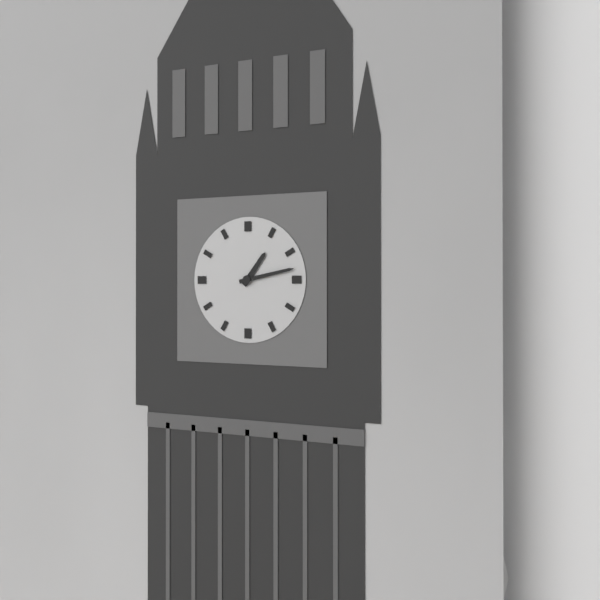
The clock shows 1 h 13 min
